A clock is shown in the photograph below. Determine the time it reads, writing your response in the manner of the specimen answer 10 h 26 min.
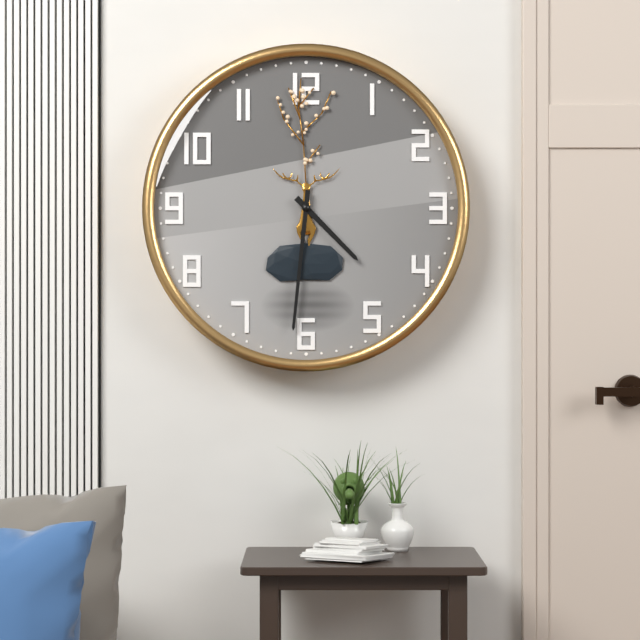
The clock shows 4 h 31 min
